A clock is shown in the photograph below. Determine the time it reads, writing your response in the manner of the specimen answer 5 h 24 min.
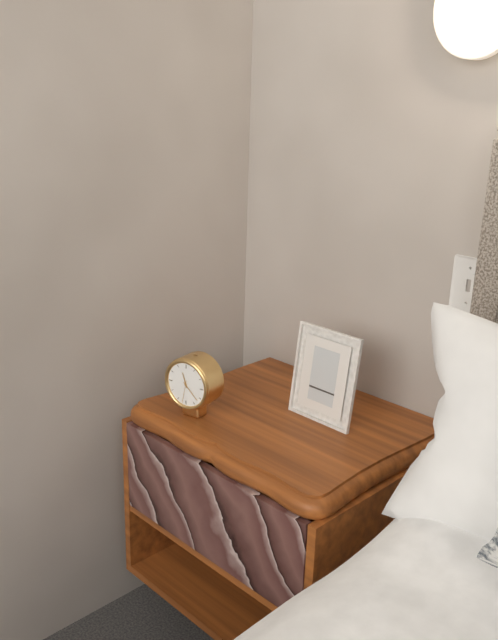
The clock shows 11 h 22 min
